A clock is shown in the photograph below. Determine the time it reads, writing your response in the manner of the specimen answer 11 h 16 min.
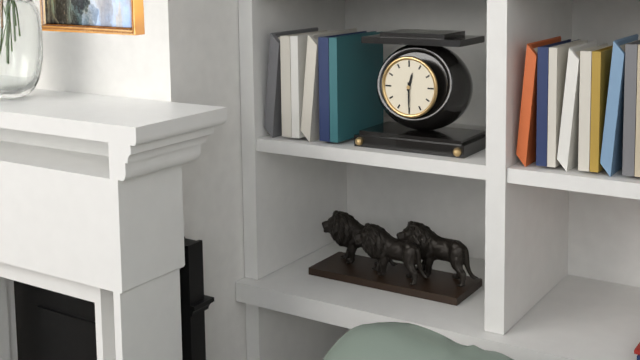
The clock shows 12 h 30 min
